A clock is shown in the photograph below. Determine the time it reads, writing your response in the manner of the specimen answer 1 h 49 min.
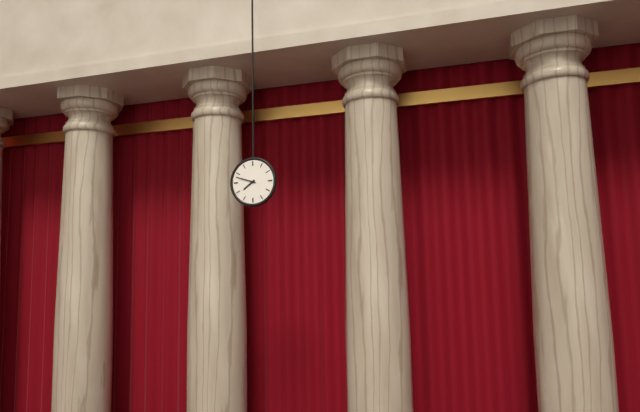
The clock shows 7 h 48 min
